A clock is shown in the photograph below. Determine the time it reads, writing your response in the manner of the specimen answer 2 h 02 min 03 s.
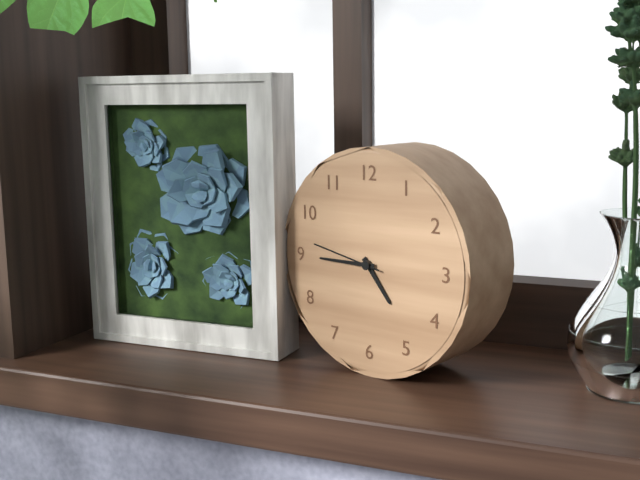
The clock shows 4 h 45 min 47 s
